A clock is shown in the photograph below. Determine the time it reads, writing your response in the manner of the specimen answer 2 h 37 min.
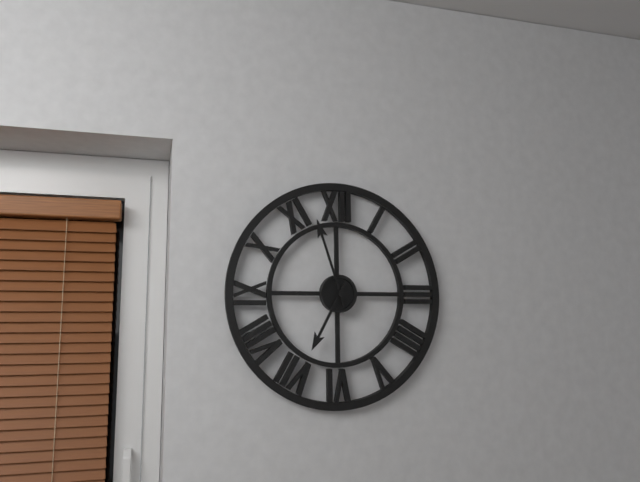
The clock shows 6 h 57 min
